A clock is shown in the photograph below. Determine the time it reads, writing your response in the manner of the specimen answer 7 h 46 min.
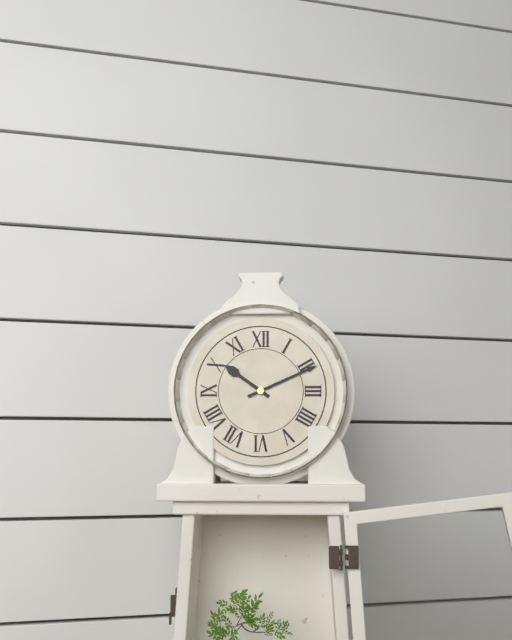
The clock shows 10 h 11 min
